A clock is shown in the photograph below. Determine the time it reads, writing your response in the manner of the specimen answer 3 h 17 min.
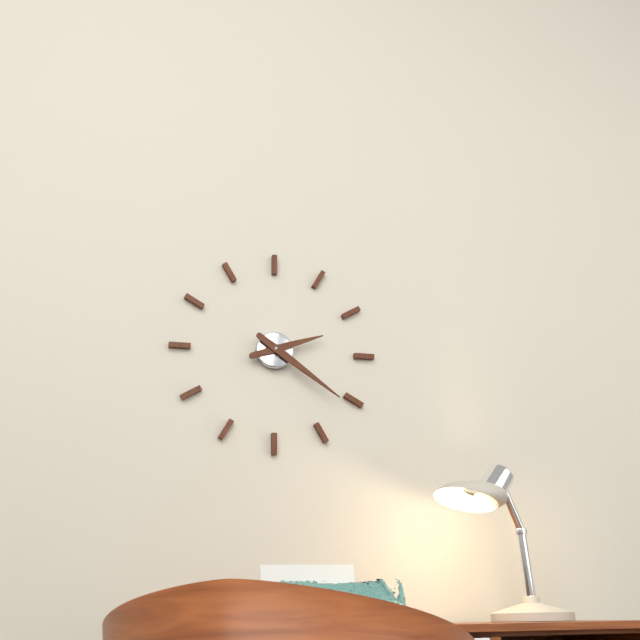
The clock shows 2 h 21 min
